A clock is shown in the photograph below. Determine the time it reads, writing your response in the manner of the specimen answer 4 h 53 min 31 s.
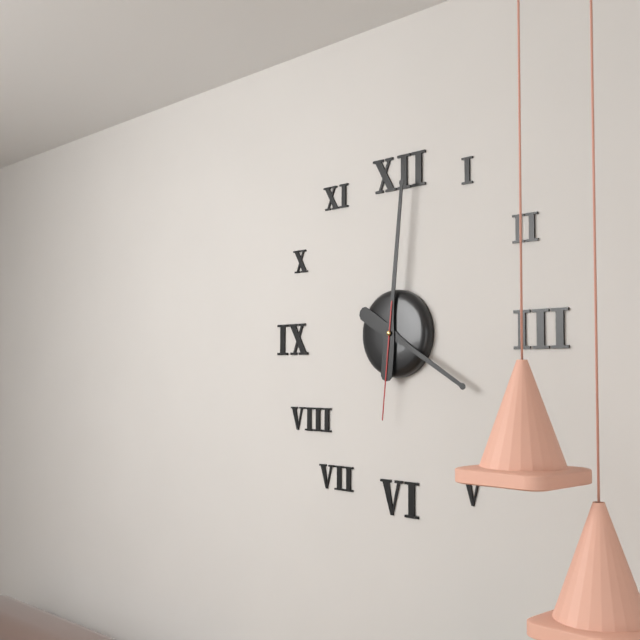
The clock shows 4 h 01 min 31 s
